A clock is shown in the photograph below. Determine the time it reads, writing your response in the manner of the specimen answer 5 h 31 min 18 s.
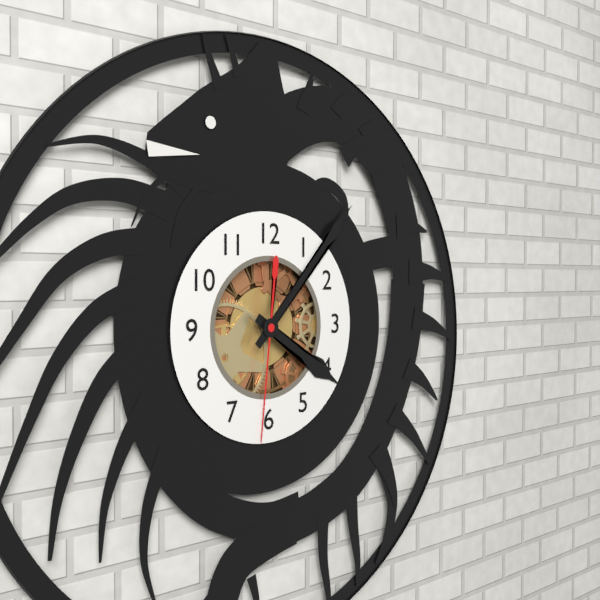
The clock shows 4 h 07 min 31 s
